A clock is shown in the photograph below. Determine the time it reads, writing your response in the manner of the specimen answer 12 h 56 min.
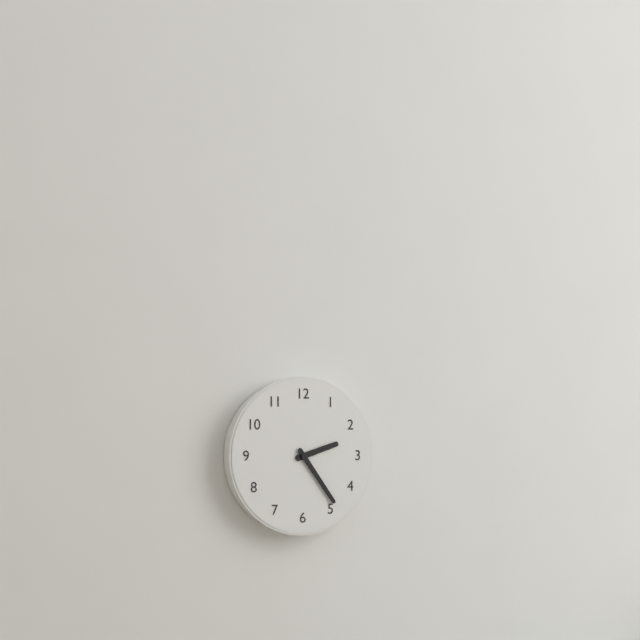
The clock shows 2 h 24 min
